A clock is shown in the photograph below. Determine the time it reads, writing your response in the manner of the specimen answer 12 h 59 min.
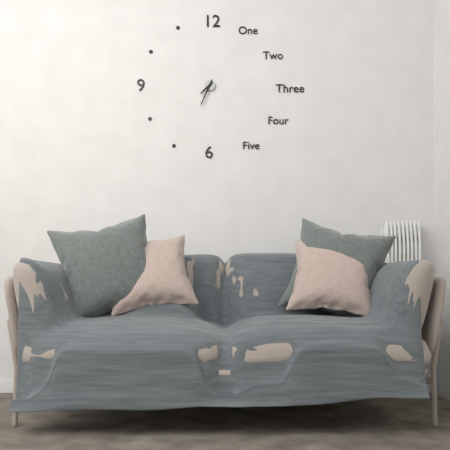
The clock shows 7 h 34 min
